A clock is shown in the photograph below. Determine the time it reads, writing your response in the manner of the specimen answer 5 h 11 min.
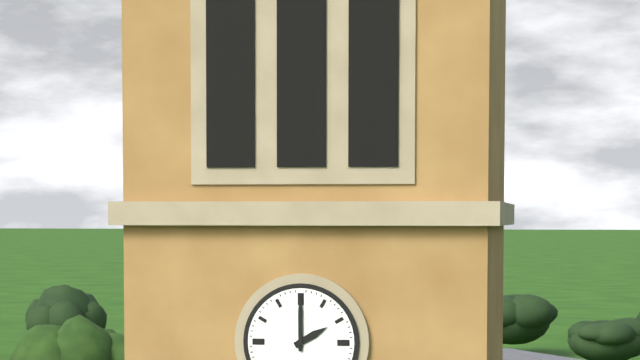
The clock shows 2 h 00 min
